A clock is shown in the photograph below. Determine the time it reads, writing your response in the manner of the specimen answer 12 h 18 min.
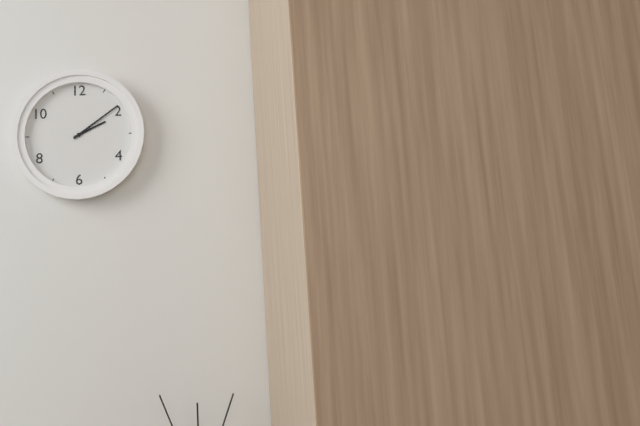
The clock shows 2 h 09 min
